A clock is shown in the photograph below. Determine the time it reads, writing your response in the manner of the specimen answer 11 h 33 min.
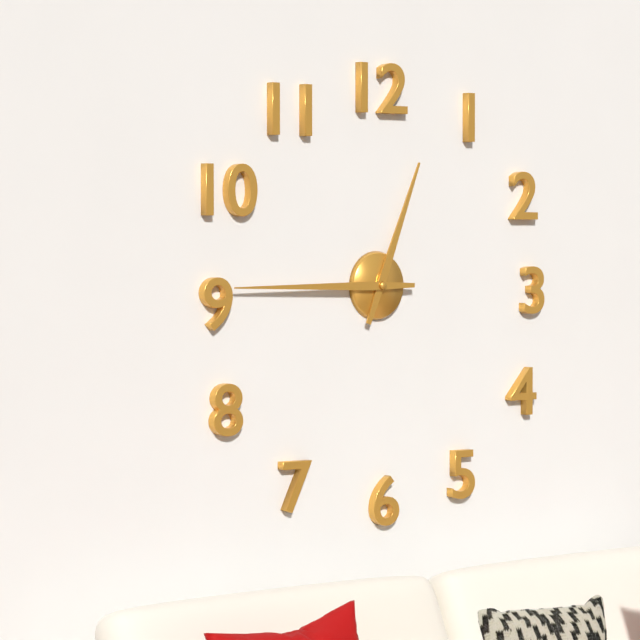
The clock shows 12 h 45 min
